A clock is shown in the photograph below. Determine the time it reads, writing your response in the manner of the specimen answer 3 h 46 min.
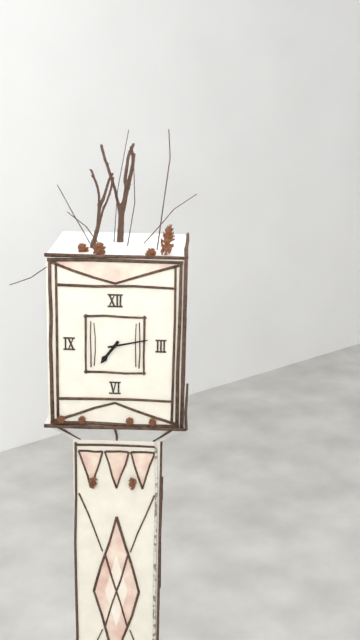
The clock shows 7 h 13 min
